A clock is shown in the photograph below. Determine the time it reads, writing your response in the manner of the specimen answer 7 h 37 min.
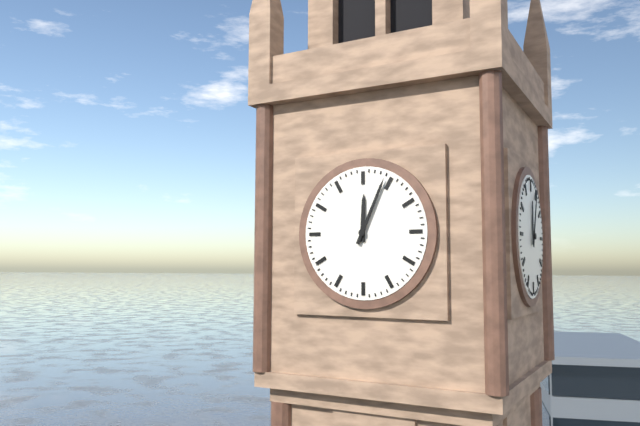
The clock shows 12 h 04 min
